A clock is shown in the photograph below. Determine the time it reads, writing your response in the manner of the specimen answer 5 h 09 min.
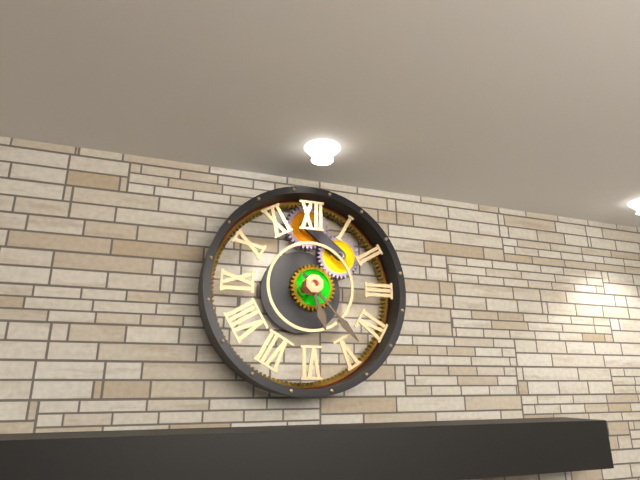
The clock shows 5 h 23 min
